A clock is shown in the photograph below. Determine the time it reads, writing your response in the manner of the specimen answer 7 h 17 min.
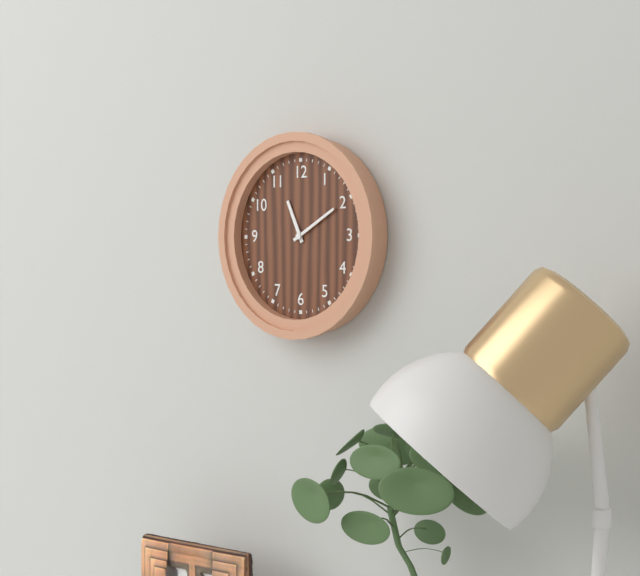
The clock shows 11 h 10 min
